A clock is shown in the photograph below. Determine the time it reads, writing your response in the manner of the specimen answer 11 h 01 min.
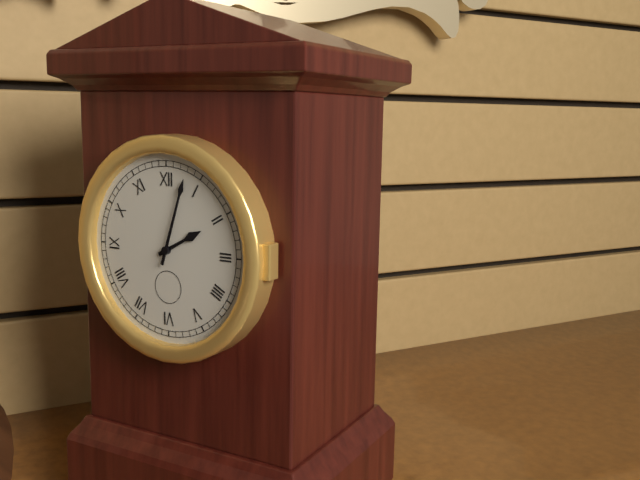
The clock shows 2 h 03 min
